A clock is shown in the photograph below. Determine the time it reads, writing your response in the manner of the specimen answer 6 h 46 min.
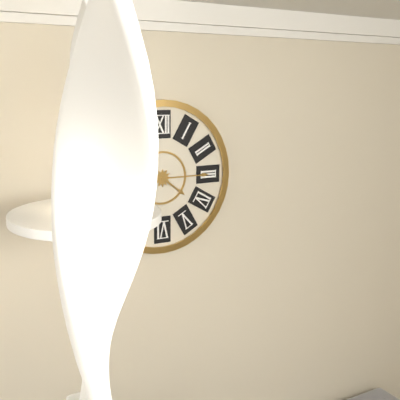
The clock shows 4 h 15 min
